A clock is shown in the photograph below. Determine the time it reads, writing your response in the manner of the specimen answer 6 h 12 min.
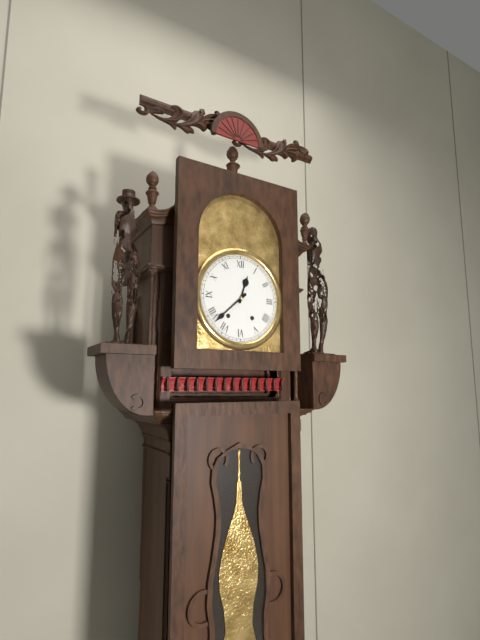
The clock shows 12 h 38 min
